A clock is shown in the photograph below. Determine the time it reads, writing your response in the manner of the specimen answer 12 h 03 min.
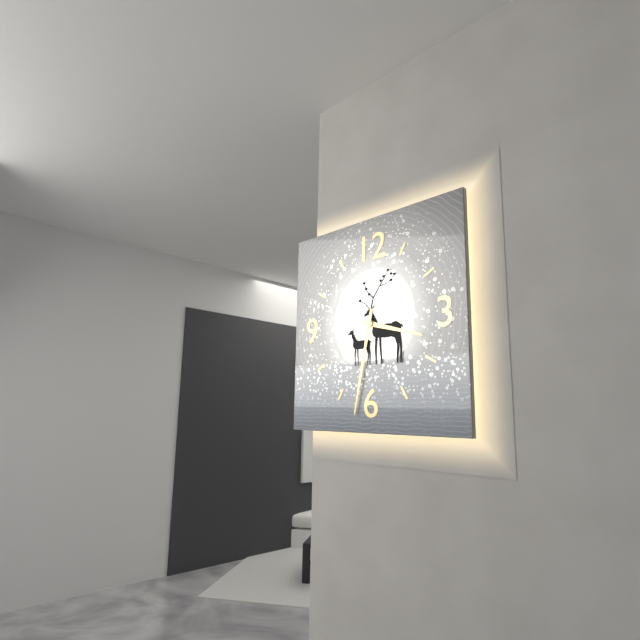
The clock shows 3 h 32 min
